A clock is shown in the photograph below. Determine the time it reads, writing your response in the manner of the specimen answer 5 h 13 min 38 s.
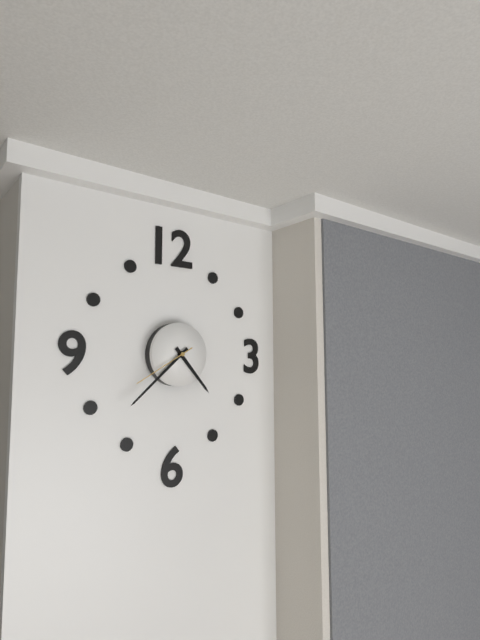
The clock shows 4 h 38 min 40 s
